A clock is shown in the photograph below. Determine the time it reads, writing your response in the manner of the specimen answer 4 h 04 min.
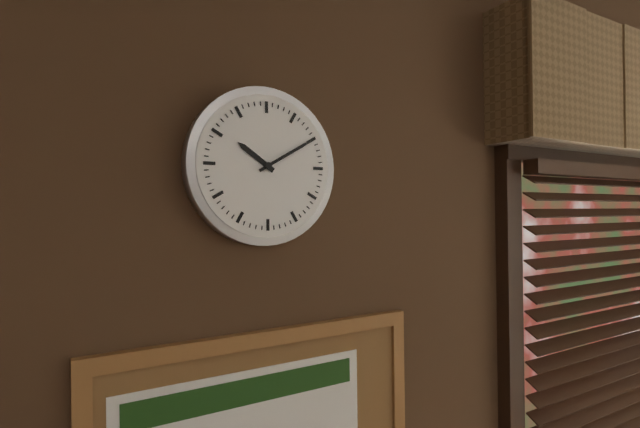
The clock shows 10 h 10 min
